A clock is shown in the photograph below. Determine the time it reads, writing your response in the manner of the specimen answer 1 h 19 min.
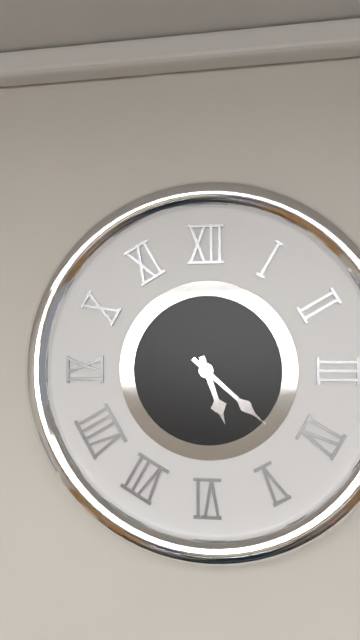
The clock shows 5 h 22 min
